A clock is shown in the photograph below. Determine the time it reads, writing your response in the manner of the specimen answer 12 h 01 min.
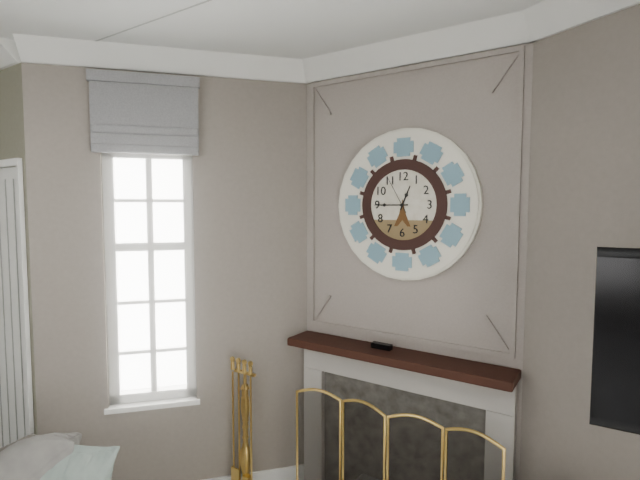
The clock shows 12 h 45 min
